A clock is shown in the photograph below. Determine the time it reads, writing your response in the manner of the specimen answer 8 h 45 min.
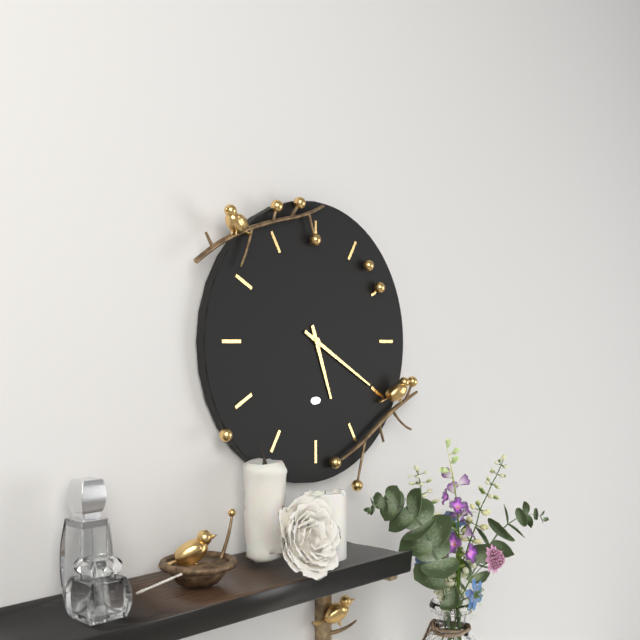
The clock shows 5 h 20 min
